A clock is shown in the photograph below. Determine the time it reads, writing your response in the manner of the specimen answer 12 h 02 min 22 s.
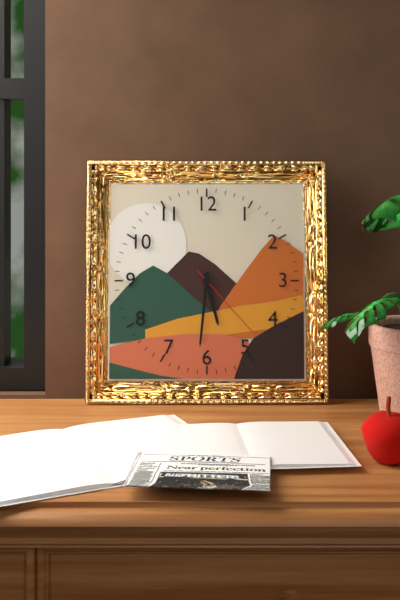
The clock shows 5 h 31 min 23 s
